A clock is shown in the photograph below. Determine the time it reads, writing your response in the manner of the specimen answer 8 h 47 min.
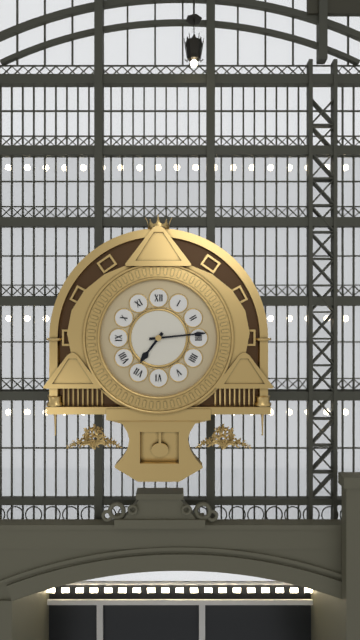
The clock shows 7 h 14 min
